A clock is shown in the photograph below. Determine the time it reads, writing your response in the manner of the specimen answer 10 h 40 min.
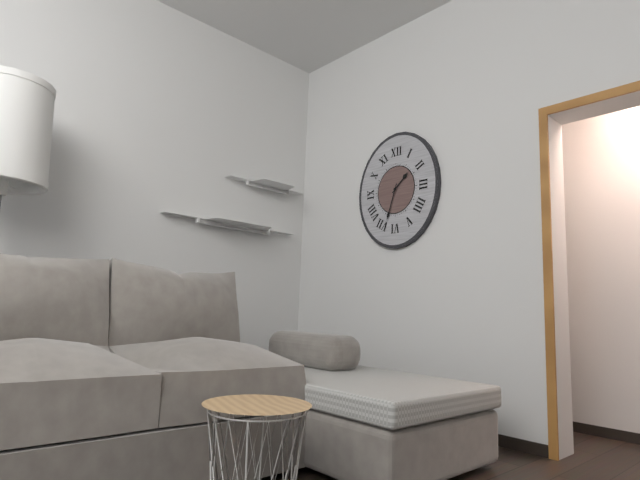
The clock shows 1 h 33 min
